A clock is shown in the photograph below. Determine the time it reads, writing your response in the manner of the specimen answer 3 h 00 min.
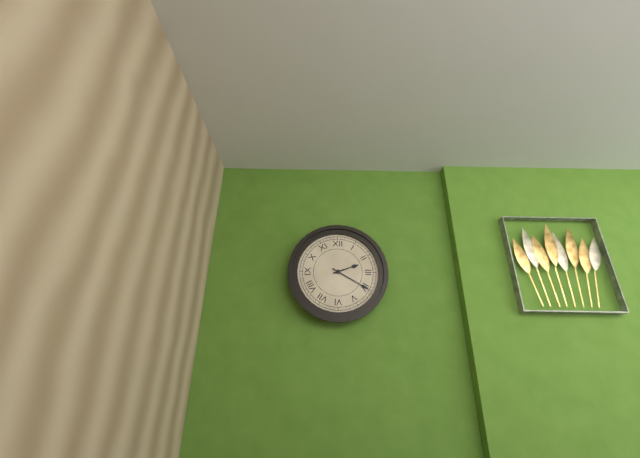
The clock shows 2 h 20 min
